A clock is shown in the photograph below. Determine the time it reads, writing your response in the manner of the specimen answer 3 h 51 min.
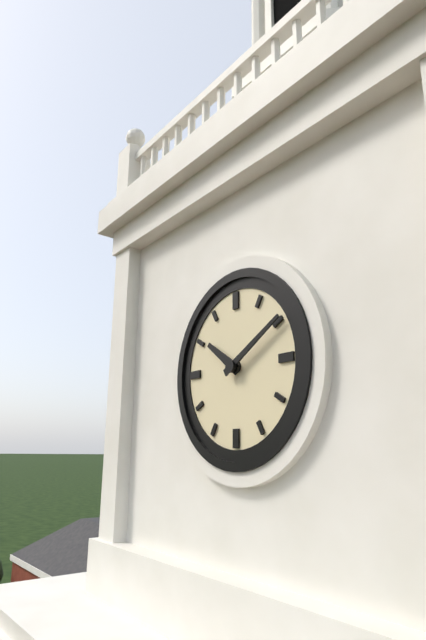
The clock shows 10 h 10 min
